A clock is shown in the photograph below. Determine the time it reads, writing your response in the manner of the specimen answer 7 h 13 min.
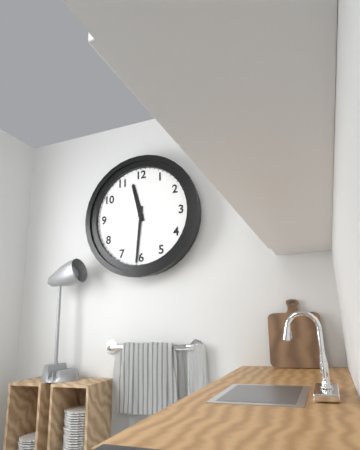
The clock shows 11 h 31 min
